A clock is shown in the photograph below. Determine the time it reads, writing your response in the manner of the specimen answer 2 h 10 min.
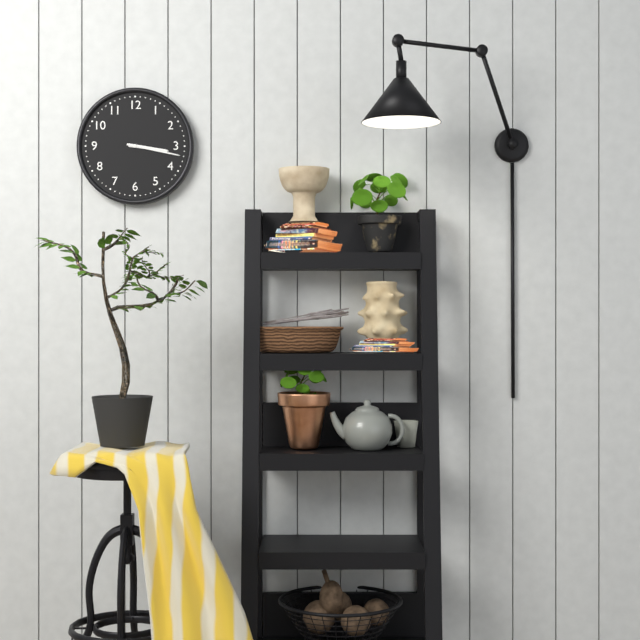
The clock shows 3 h 17 min
